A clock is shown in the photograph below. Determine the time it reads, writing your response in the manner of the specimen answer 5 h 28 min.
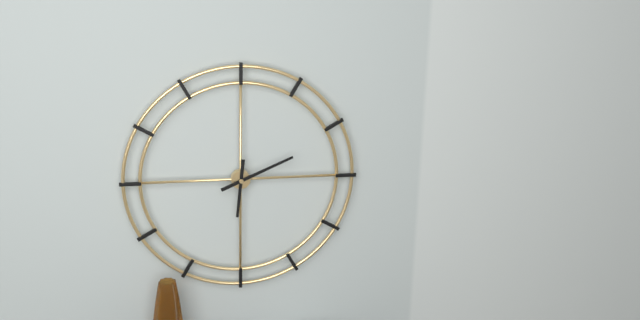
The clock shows 6 h 11 min
